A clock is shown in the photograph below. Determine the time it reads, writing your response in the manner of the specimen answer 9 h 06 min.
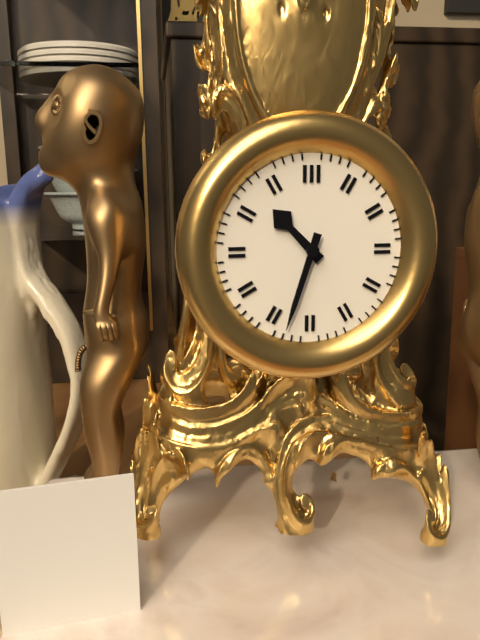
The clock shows 10 h 33 min
